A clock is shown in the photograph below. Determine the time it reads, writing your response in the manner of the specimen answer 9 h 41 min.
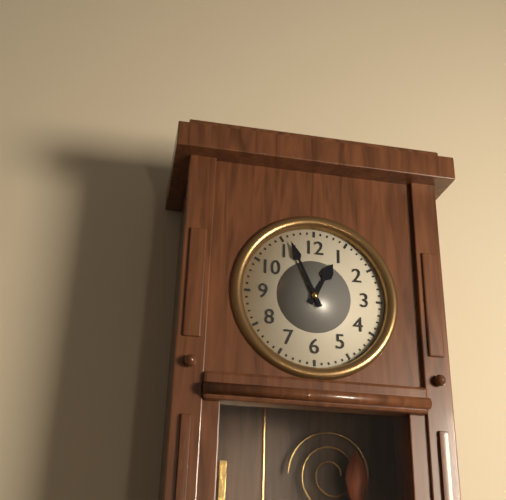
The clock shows 12 h 56 min
